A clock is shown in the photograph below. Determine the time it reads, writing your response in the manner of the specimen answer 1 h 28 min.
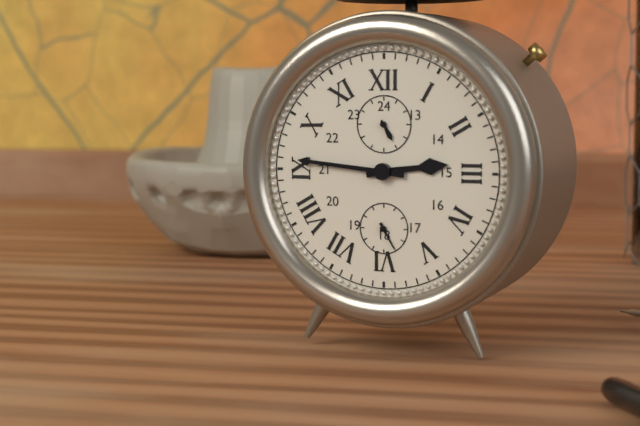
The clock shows 2 h 46 min
